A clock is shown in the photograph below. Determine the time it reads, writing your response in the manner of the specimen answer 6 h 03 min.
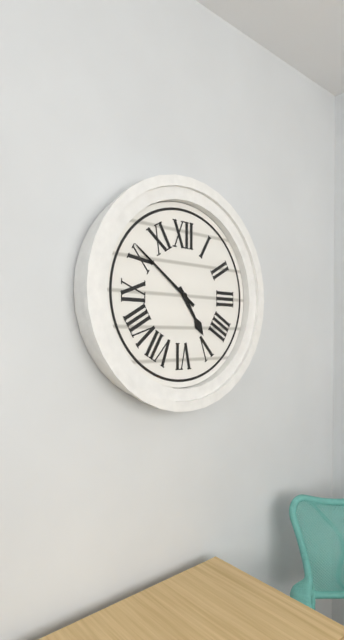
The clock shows 4 h 51 min
